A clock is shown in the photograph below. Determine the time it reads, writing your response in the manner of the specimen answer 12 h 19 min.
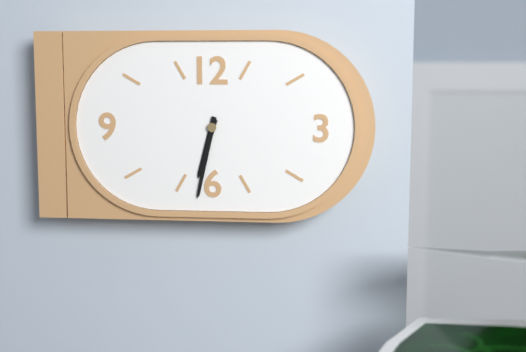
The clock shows 6 h 32 min
